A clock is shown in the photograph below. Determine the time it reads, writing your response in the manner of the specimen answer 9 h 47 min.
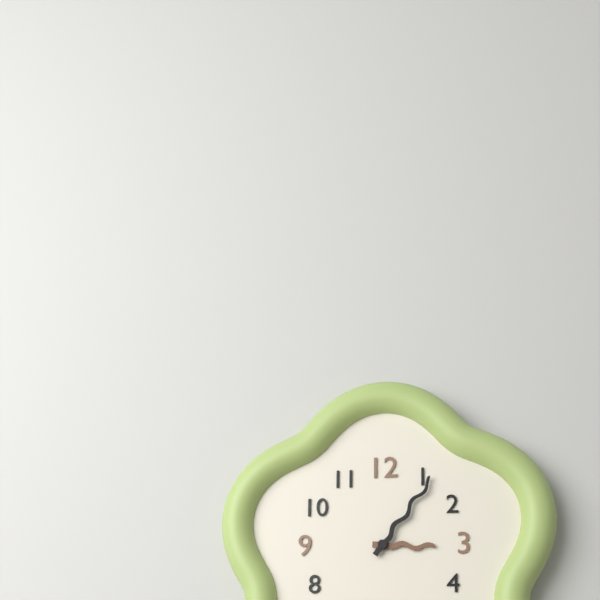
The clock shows 3 h 06 min
